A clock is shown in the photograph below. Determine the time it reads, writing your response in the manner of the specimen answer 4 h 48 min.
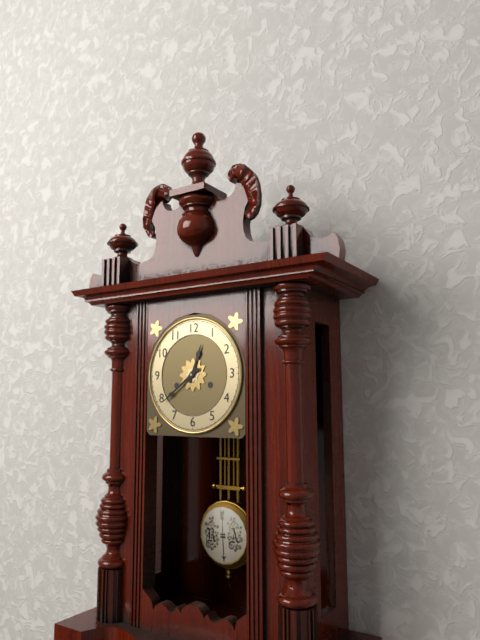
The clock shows 12 h 39 min
